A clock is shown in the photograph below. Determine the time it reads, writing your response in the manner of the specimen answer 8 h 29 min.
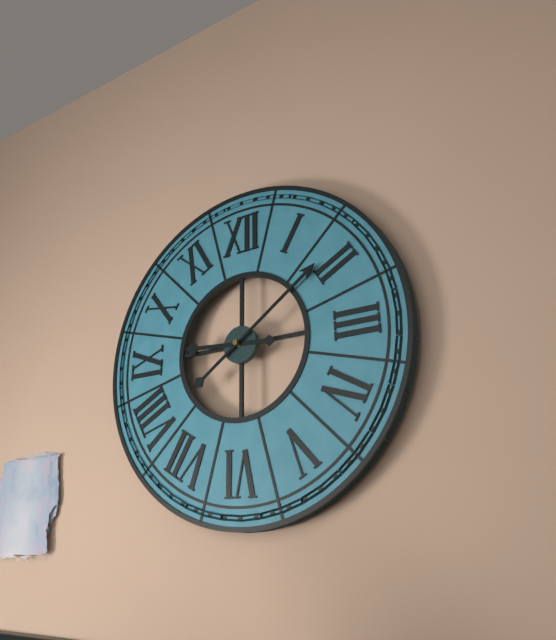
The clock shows 9 h 09 min
